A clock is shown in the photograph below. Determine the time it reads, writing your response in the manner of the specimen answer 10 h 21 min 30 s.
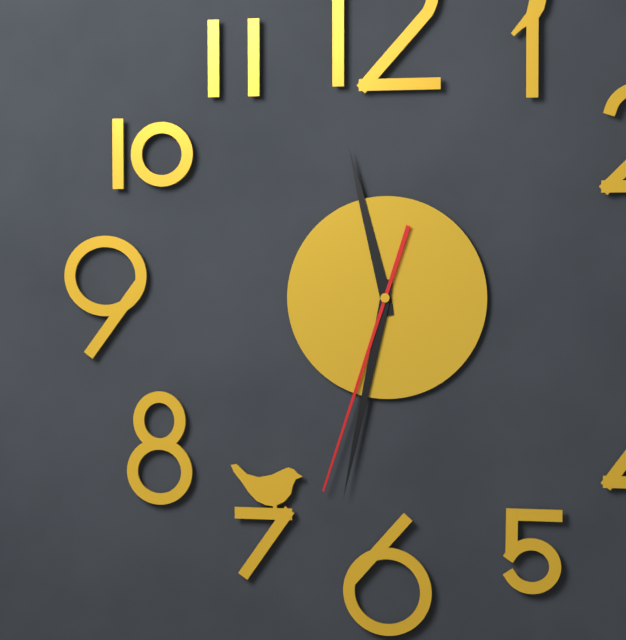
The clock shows 11 h 32 min 33 s
